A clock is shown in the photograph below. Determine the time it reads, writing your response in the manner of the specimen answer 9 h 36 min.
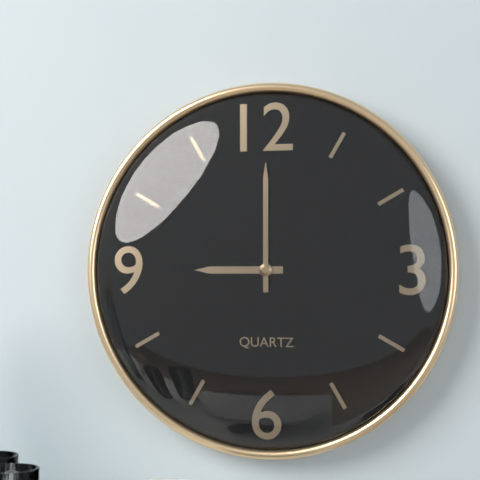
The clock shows 9 h 00 min
